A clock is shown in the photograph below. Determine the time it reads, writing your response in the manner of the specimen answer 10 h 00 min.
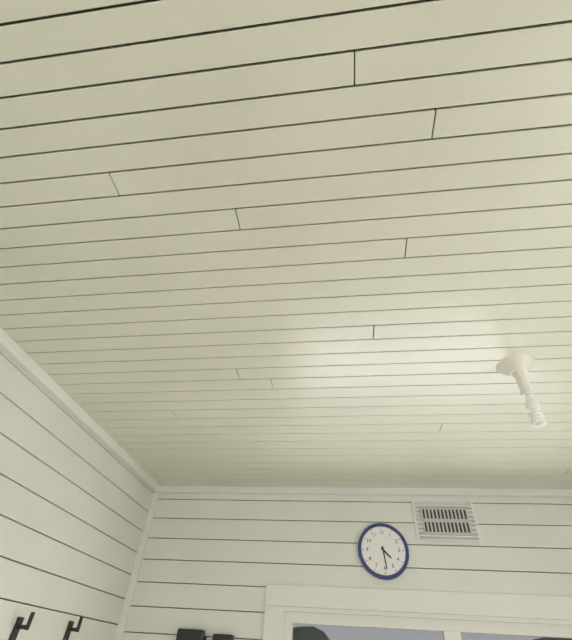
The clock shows 4 h 29 min
